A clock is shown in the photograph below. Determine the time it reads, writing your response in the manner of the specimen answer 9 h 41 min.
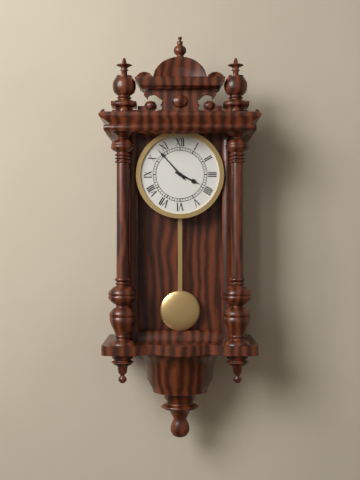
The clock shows 3 h 53 min
